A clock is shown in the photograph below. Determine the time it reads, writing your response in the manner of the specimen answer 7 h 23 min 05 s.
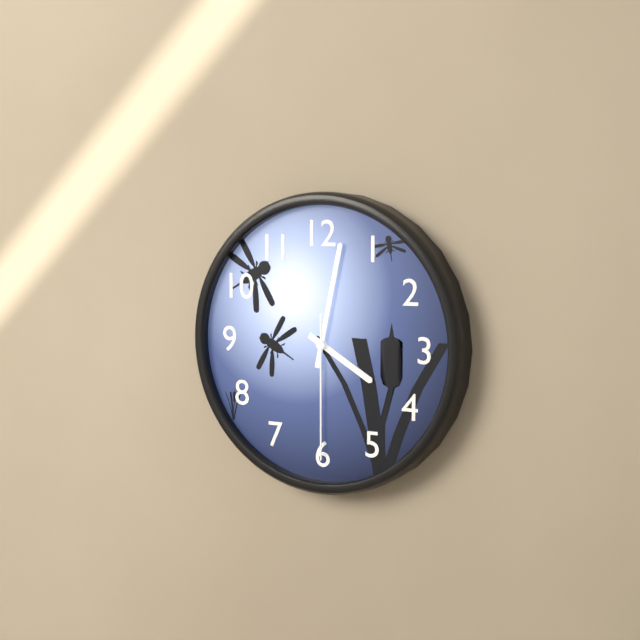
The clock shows 4 h 02 min 30 s
